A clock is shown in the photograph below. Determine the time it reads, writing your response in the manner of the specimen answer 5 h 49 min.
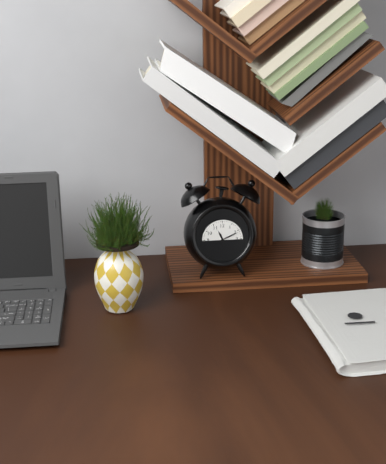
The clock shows 11 h 11 min
